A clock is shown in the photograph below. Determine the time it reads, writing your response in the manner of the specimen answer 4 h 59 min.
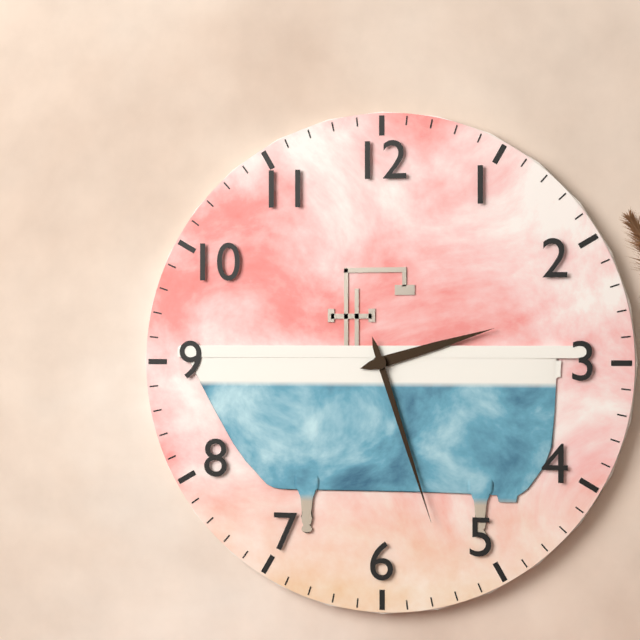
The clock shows 2 h 27 min
